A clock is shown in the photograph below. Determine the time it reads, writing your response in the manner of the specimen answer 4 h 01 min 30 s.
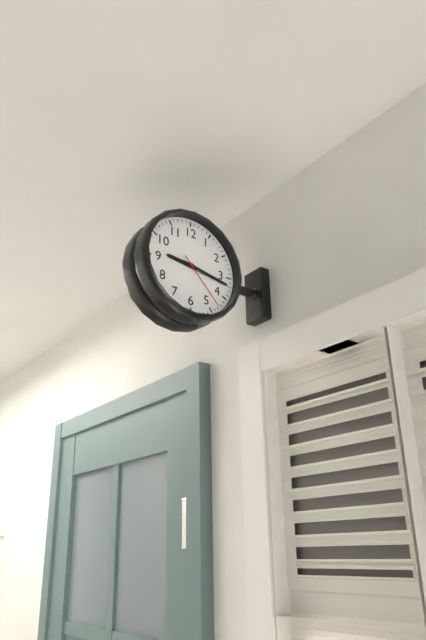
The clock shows 9 h 17 min 23 s
